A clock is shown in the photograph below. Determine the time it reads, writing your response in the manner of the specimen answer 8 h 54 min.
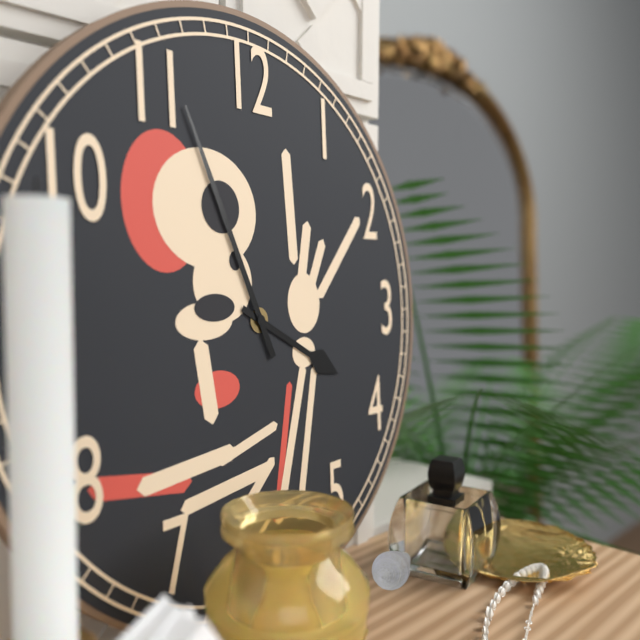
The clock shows 3 h 56 min
